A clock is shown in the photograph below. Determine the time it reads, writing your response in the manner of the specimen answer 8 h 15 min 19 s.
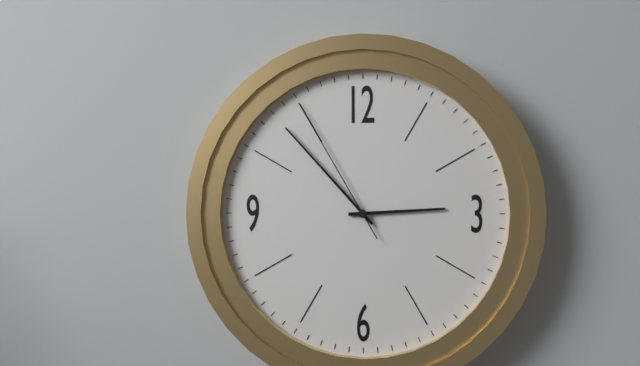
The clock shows 2 h 53 min 55 s
